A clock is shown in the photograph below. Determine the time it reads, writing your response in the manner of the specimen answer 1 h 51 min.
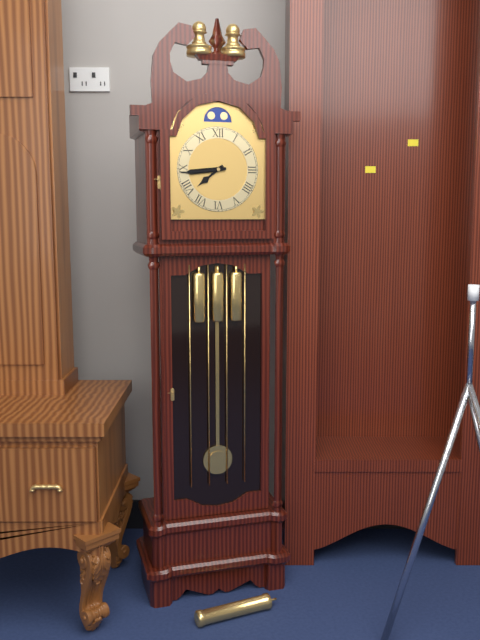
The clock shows 7 h 44 min
